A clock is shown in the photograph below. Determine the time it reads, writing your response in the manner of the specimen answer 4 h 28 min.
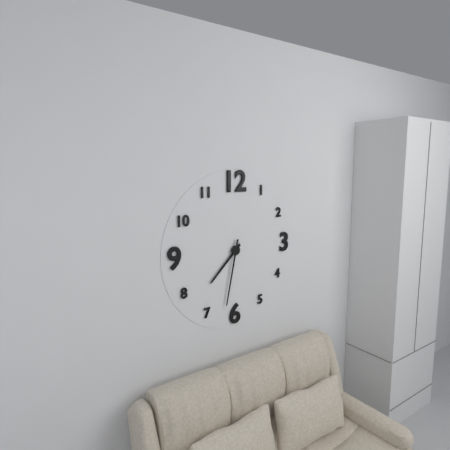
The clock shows 7 h 32 min
